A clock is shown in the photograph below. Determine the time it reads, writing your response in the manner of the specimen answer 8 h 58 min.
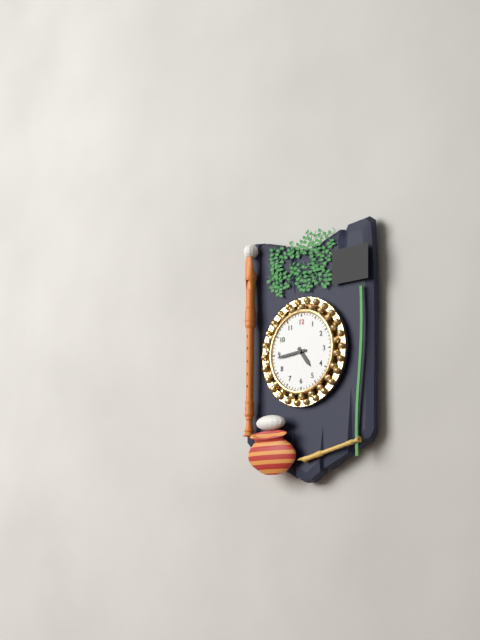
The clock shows 4 h 44 min
